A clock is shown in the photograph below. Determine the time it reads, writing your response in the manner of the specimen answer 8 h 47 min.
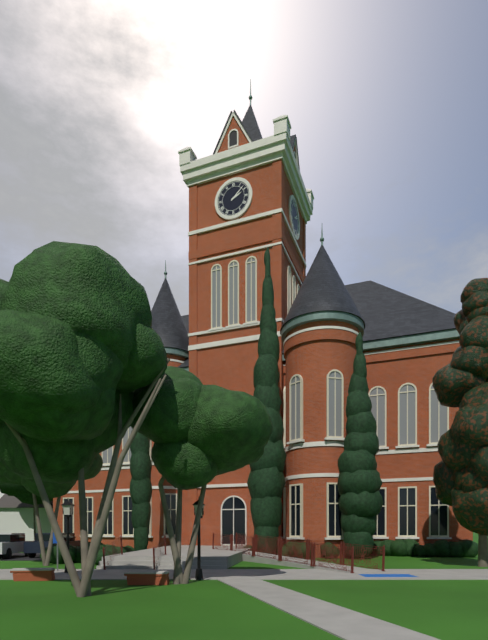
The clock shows 2 h 08 min
